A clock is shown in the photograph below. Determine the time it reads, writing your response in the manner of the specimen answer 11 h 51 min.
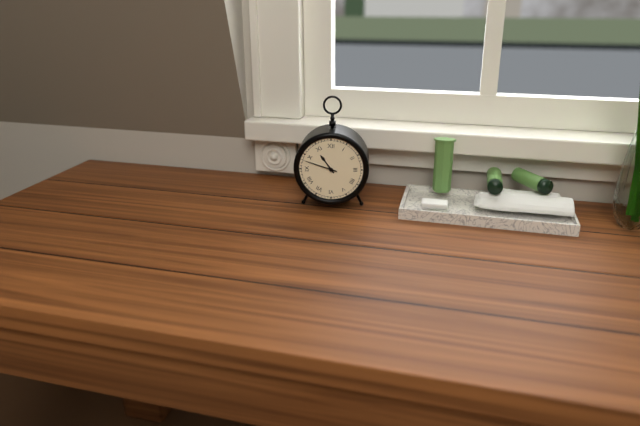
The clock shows 10 h 48 min
